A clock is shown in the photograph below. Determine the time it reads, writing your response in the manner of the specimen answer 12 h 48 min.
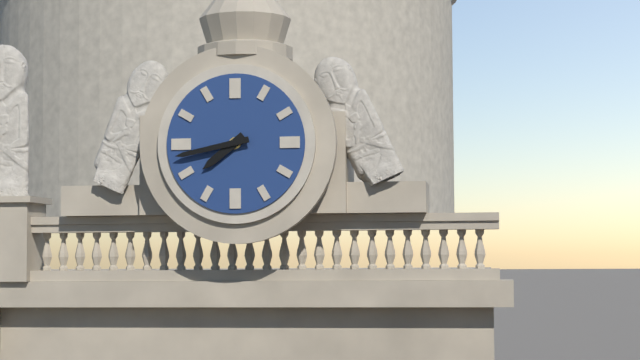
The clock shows 7 h 43 min
